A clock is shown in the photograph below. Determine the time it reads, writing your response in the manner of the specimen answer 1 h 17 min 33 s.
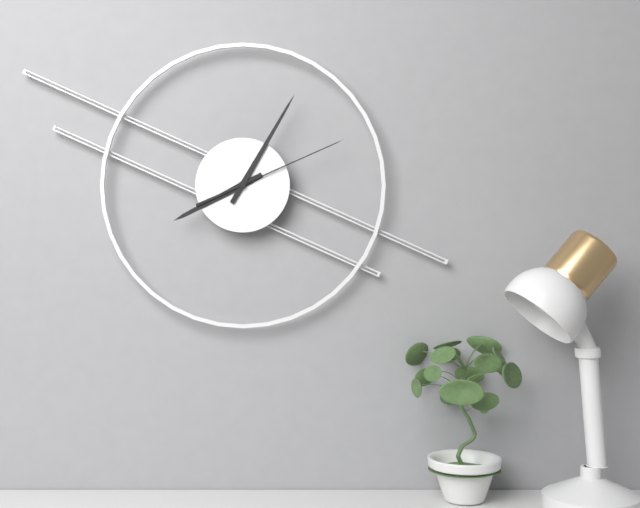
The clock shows 8 h 05 min 11 s
